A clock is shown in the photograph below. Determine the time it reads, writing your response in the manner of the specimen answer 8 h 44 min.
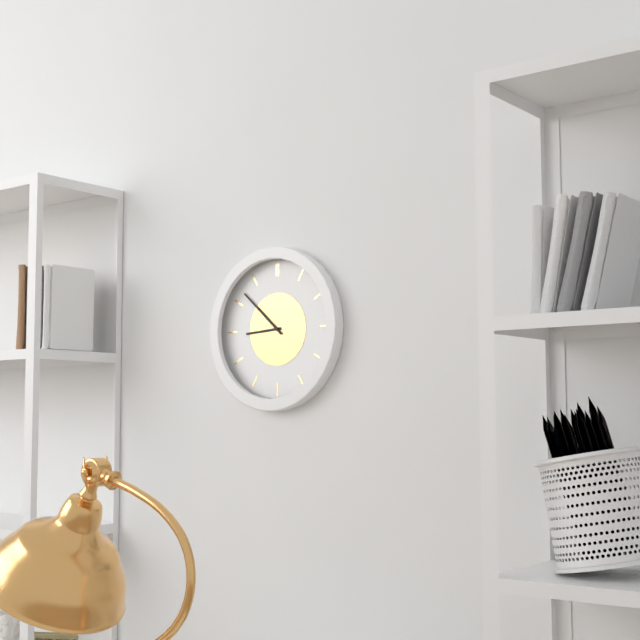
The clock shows 8 h 52 min
